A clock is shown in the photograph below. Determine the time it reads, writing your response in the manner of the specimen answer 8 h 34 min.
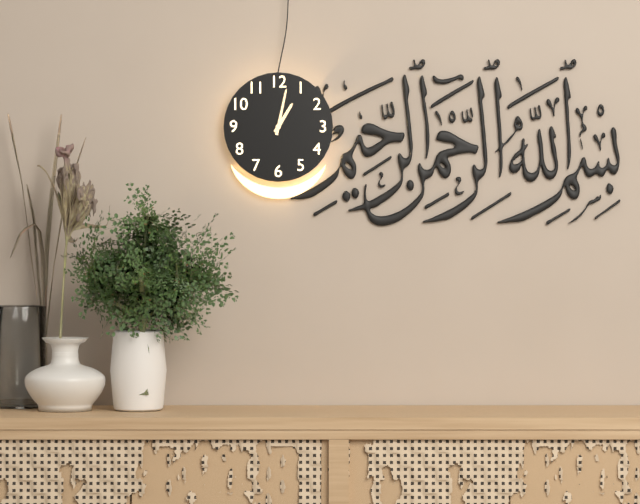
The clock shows 1 h 02 min
